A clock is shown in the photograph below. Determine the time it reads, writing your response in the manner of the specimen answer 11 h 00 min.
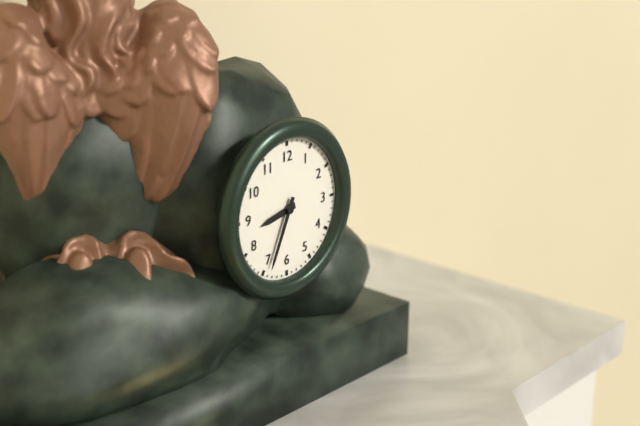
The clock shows 8 h 34 min
